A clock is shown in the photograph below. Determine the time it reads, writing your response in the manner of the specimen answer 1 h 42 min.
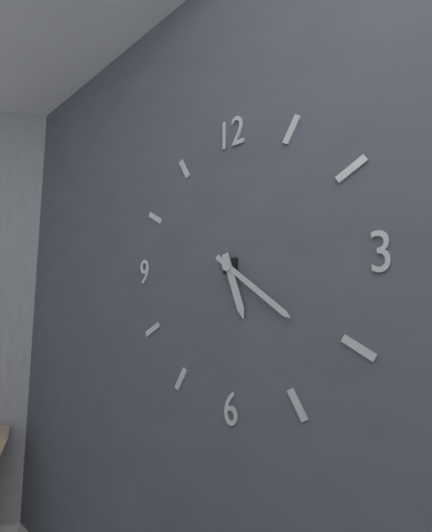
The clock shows 5 h 21 min
